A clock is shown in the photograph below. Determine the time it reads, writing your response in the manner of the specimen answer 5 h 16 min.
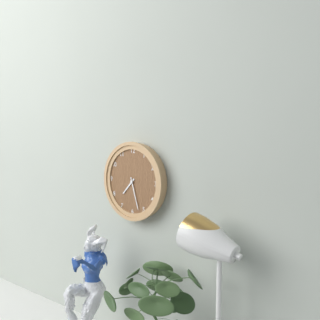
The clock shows 7 h 27 min
